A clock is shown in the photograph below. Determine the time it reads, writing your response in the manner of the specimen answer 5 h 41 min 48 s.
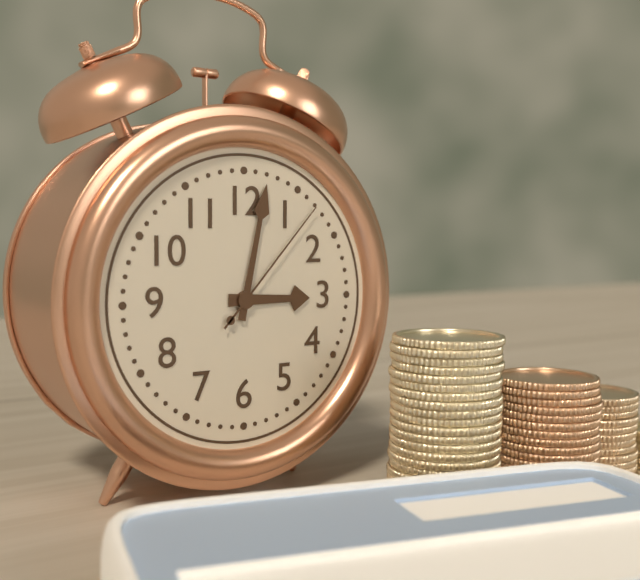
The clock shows 3 h 02 min 07 s
